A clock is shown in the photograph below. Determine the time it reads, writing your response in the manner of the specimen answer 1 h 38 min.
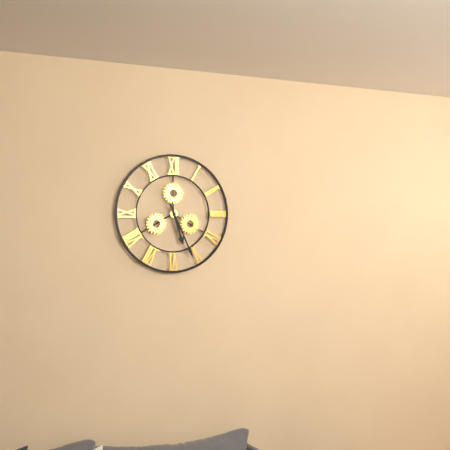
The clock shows 5 h 26 min
